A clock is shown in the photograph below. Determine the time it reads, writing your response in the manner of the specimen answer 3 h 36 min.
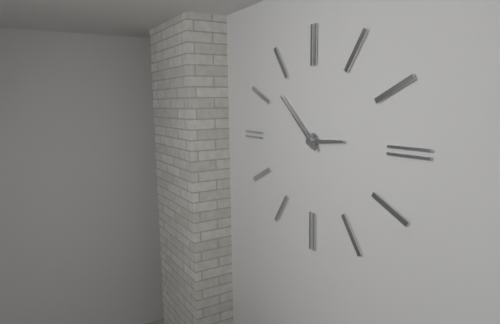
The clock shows 2 h 52 min
